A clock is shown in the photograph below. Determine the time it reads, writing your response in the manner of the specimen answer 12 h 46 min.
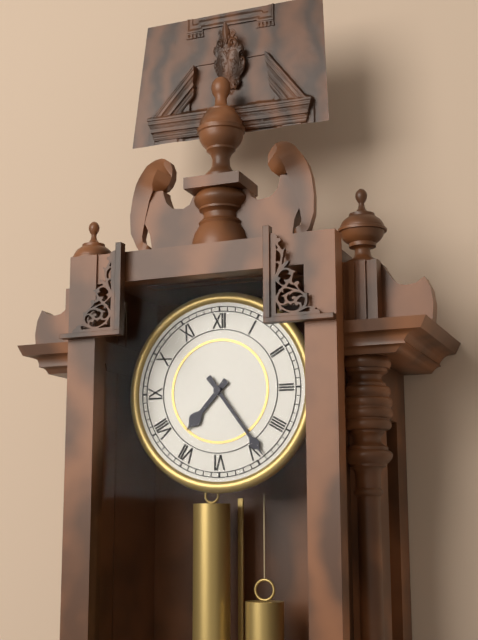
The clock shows 7 h 24 min
